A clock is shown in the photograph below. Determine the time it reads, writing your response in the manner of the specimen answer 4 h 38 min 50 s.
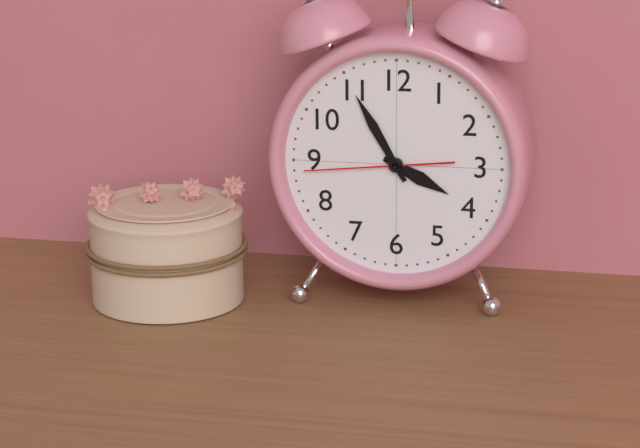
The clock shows 3 h 55 min 44 s
